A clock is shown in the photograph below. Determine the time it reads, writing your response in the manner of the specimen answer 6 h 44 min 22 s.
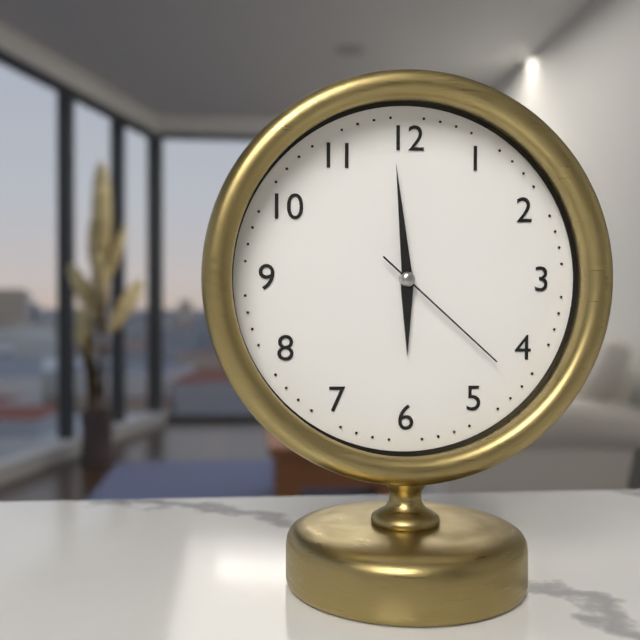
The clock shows 5 h 59 min 22 s
